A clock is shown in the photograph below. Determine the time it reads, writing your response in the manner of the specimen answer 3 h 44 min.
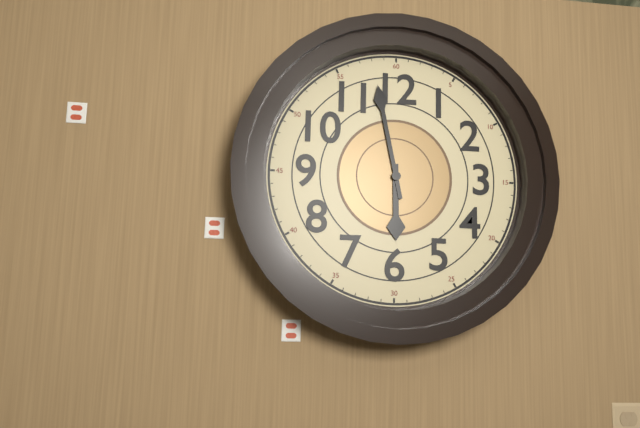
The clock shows 5 h 58 min
